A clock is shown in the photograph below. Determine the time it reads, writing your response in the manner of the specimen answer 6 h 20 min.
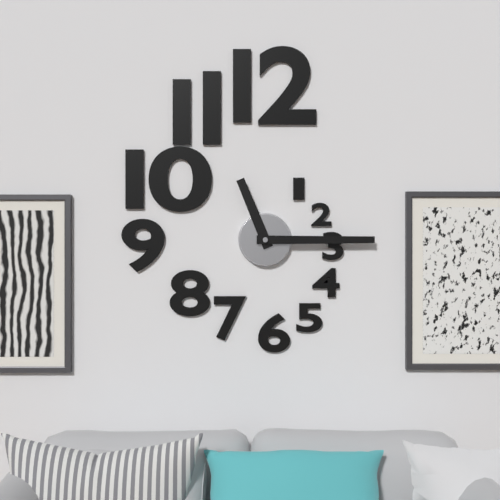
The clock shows 11 h 15 min
